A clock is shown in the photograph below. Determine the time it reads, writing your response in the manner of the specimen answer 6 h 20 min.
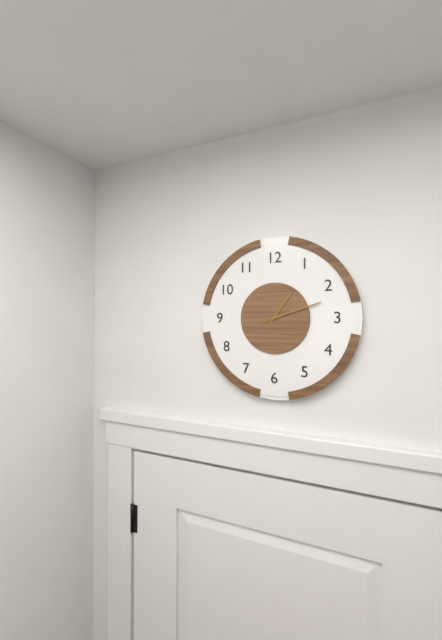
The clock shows 1 h 12 min
